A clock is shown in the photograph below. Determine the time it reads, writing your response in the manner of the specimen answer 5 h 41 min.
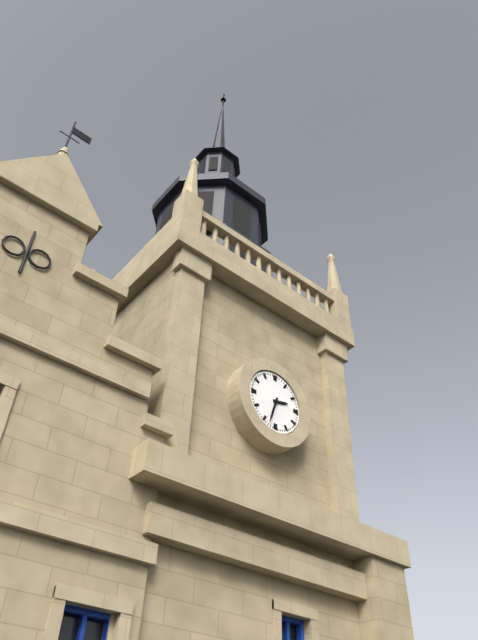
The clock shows 2 h 33 min
